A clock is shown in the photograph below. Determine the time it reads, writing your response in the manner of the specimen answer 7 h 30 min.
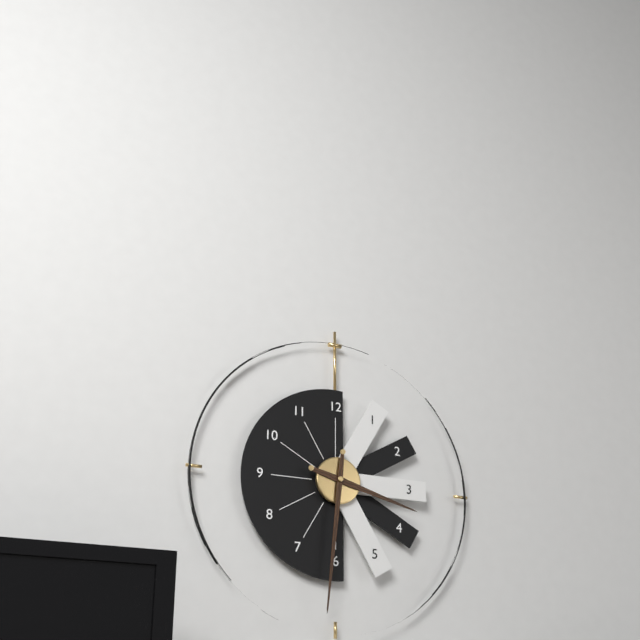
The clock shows 3 h 31 min
